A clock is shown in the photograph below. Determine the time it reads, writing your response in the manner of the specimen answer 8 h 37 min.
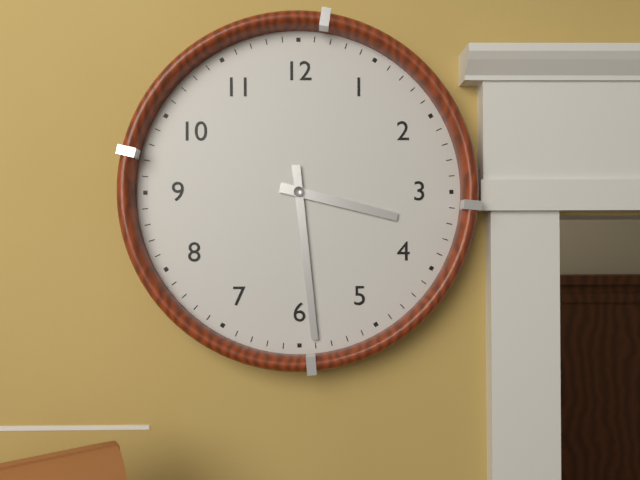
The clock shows 3 h 29 min
